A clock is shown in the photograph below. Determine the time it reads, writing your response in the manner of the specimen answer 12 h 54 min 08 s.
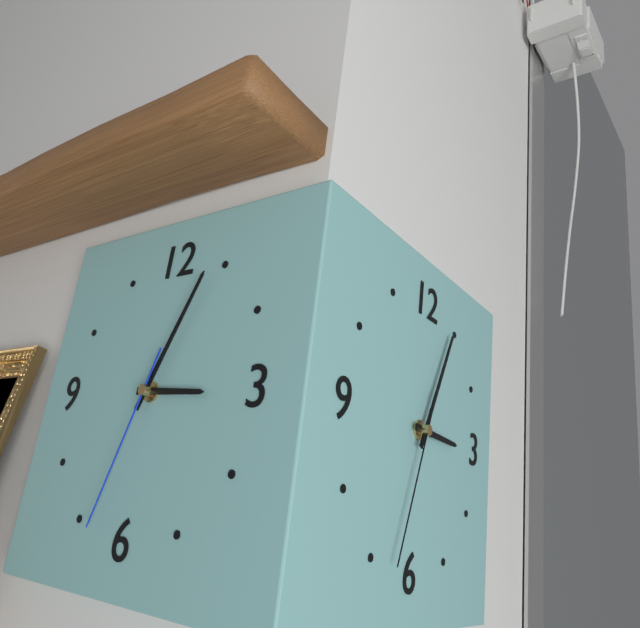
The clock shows 3 h 04 min 33 s
